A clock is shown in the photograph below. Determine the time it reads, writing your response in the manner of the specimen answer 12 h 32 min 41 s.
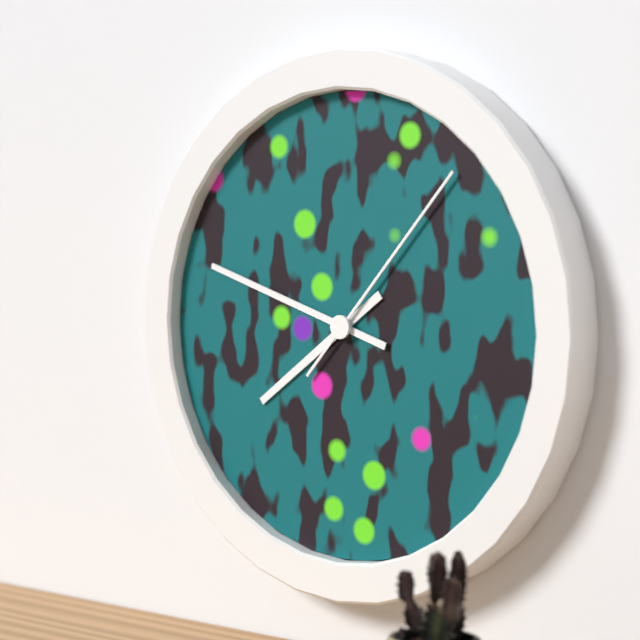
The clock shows 7 h 48 min 07 s
